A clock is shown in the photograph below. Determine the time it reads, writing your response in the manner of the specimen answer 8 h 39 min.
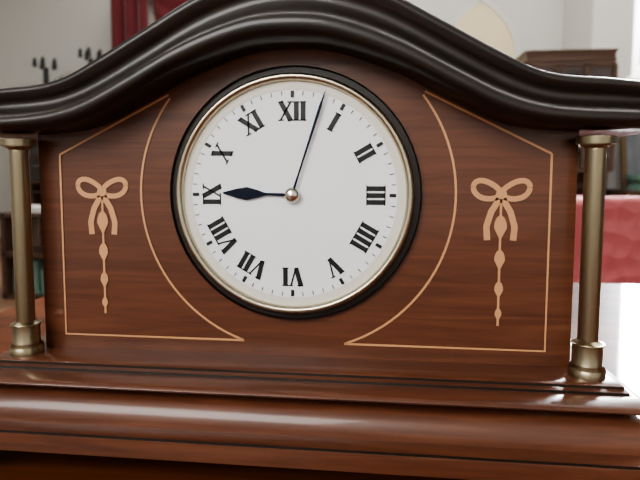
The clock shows 9 h 03 min
